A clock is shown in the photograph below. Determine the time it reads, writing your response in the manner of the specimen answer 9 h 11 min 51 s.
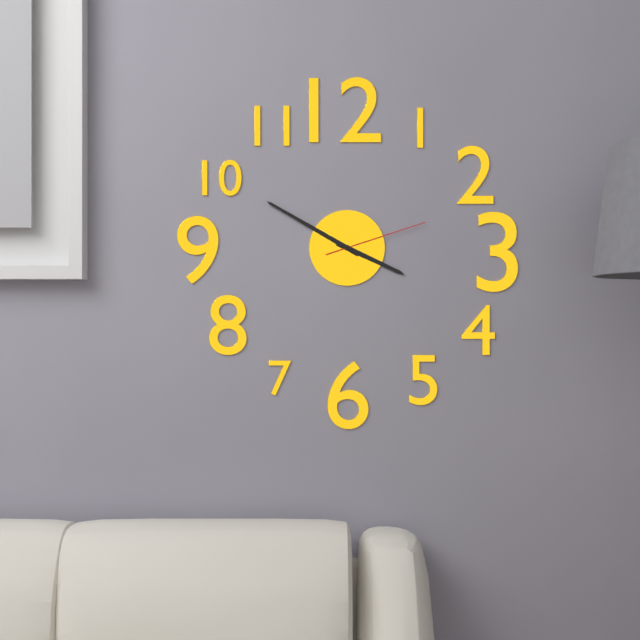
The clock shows 3 h 50 min 12 s
